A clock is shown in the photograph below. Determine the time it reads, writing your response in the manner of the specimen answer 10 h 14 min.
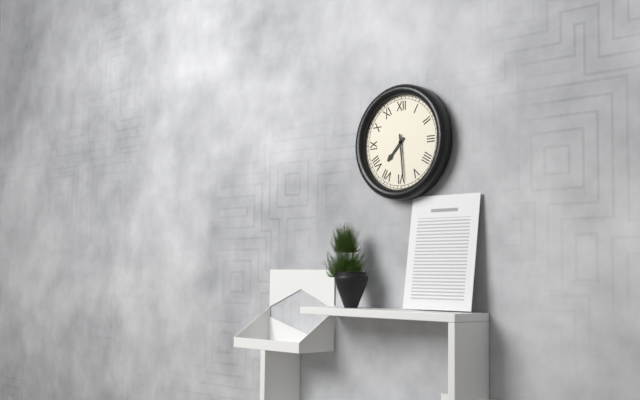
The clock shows 7 h 29 min
